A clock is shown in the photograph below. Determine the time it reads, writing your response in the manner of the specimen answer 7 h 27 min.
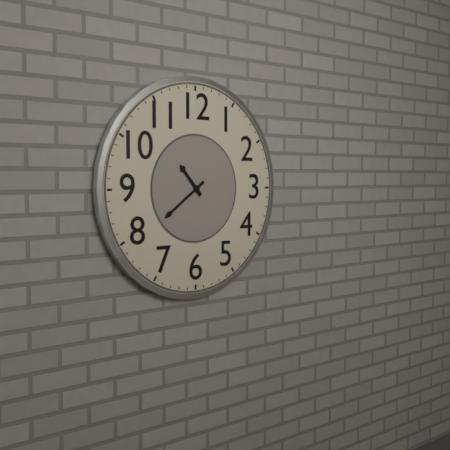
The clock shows 10 h 39 min
